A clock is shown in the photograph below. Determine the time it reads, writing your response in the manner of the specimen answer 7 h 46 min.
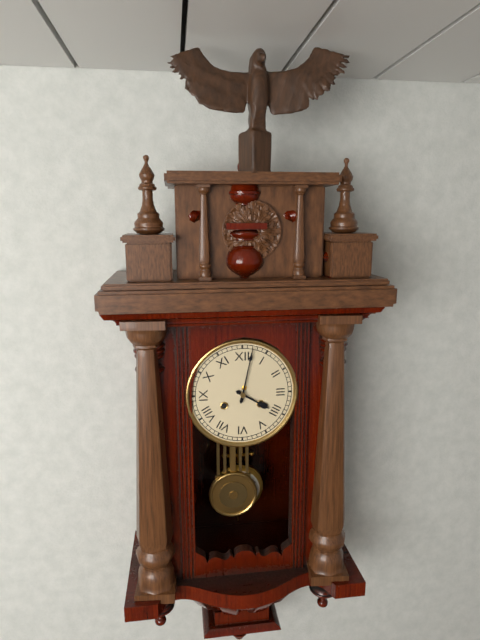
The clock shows 4 h 02 min
